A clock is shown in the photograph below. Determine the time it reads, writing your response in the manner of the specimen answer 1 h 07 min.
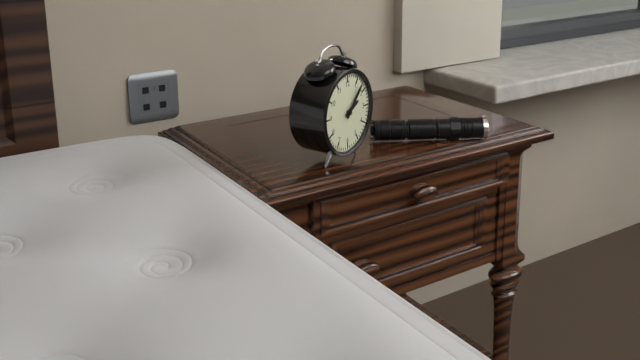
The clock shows 2 h 07 min
